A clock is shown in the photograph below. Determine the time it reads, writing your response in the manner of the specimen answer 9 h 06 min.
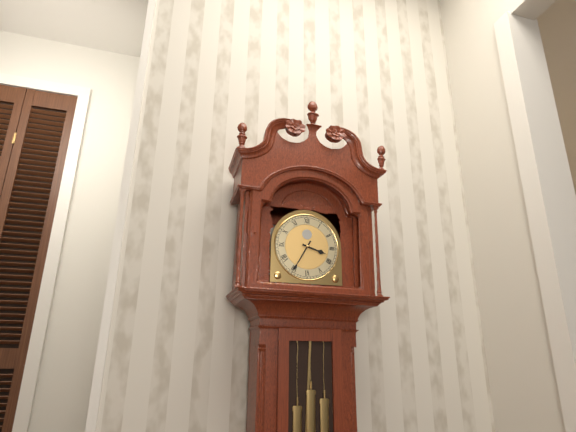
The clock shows 3 h 35 min
